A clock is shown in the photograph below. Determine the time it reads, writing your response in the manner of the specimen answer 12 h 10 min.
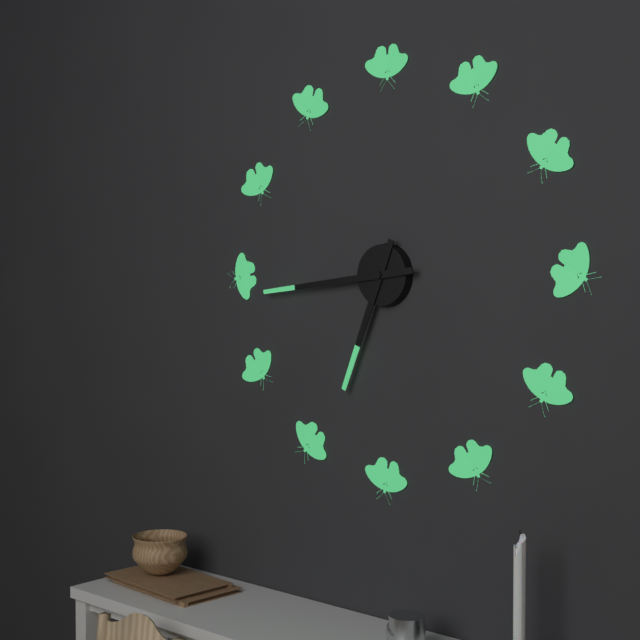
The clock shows 6 h 44 min
